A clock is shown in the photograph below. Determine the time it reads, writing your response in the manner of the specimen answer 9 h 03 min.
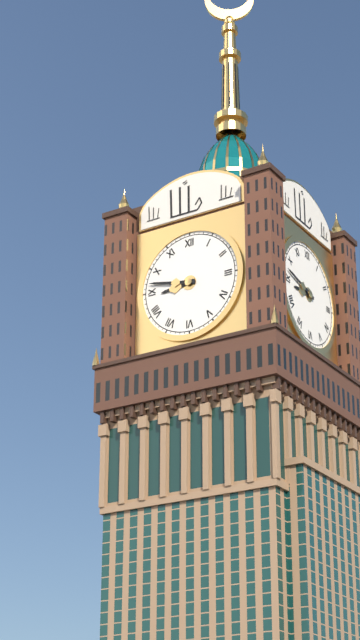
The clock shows 8 h 47 min
